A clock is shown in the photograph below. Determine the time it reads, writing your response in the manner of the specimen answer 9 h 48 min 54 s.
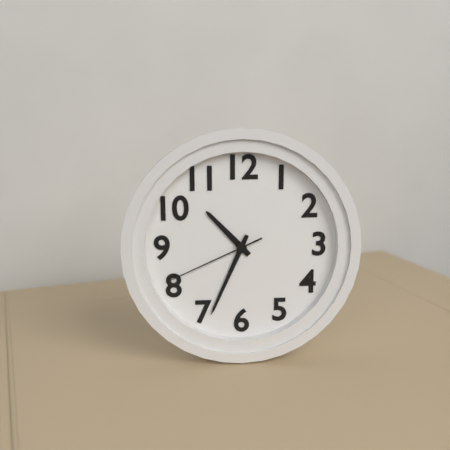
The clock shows 10 h 34 min 41 s
